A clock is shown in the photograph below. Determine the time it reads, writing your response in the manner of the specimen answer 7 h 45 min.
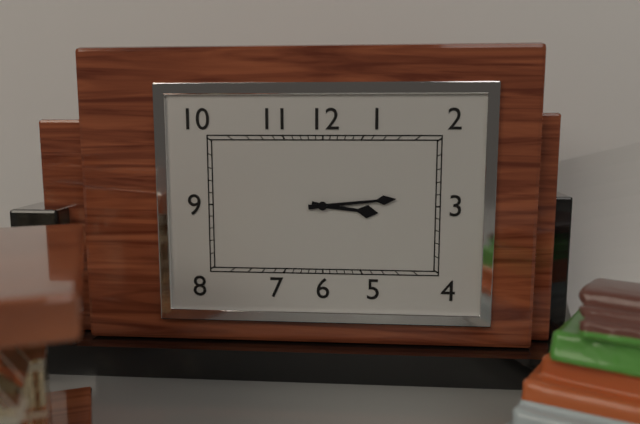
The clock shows 3 h 14 min
